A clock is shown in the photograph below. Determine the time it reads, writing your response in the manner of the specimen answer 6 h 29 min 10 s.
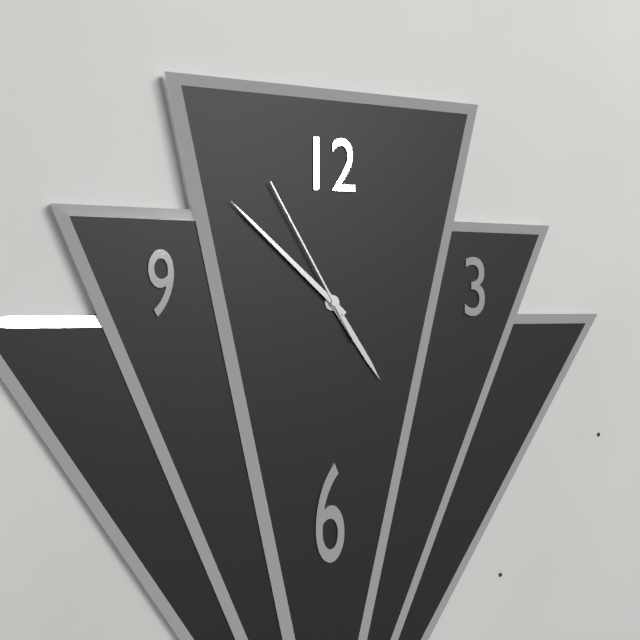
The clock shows 4 h 52 min 55 s
